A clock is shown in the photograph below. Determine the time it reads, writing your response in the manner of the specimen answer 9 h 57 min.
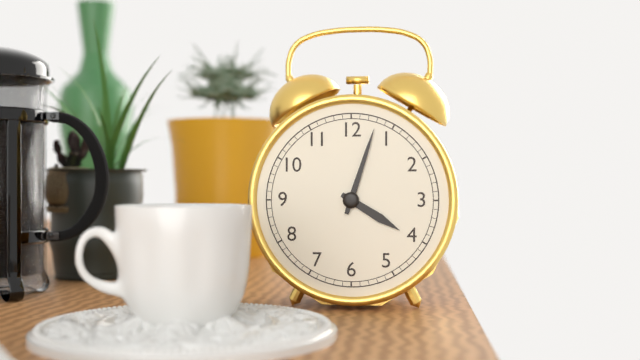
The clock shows 4 h 03 min
